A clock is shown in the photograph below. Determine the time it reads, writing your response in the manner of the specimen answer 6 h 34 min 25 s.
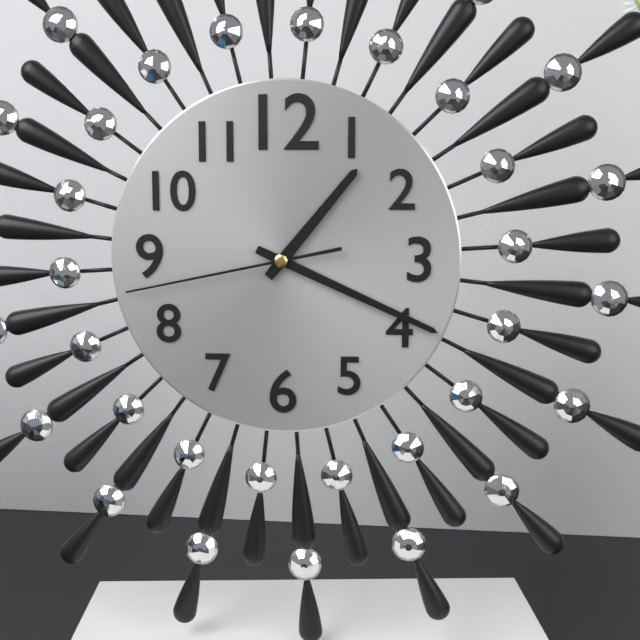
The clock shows 1 h 19 min 43 s
